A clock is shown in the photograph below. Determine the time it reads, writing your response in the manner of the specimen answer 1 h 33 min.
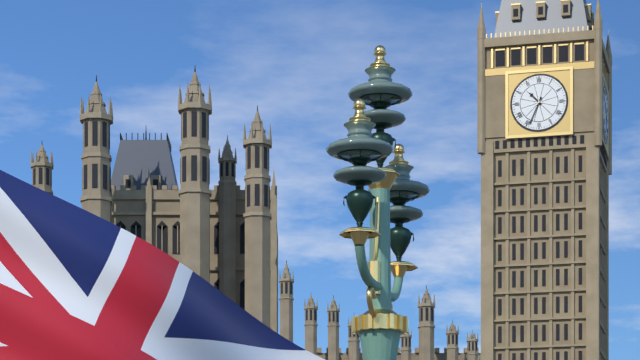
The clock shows 10 h 34 min
